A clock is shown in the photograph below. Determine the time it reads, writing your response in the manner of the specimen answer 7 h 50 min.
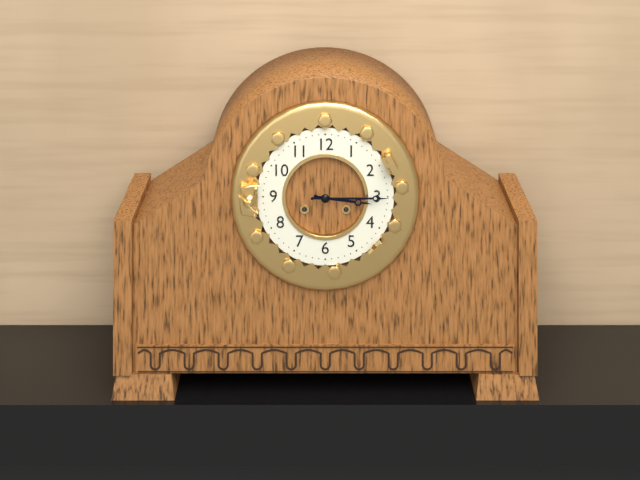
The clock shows 3 h 15 min
